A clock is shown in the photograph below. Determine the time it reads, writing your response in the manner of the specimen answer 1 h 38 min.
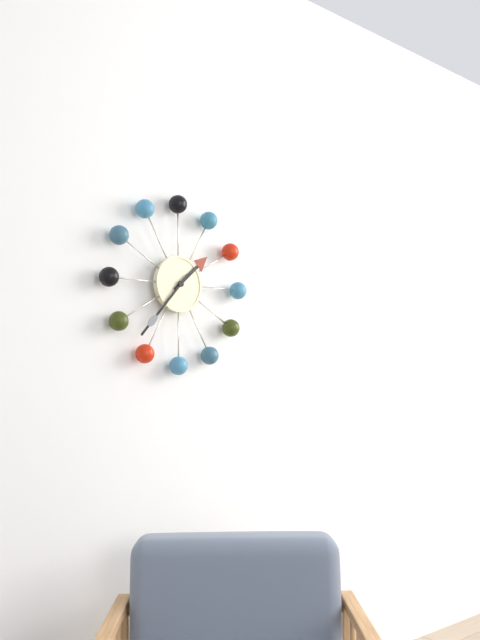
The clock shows 1 h 37 min
